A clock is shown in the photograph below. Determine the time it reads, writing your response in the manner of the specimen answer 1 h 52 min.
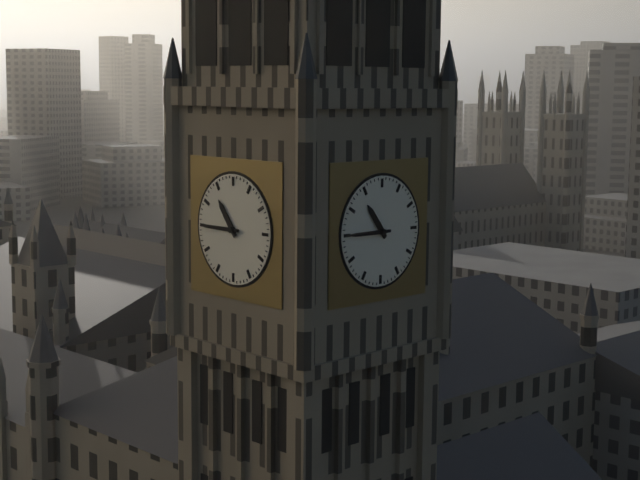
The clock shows 10 h 45 min
